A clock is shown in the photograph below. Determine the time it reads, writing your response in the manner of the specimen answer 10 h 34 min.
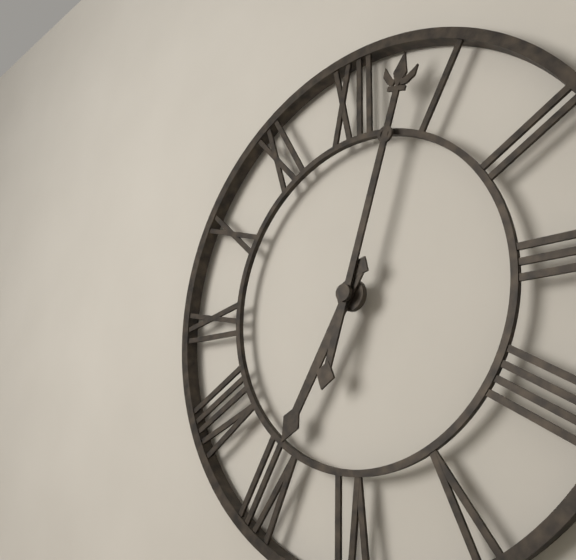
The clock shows 7 h 03 min
